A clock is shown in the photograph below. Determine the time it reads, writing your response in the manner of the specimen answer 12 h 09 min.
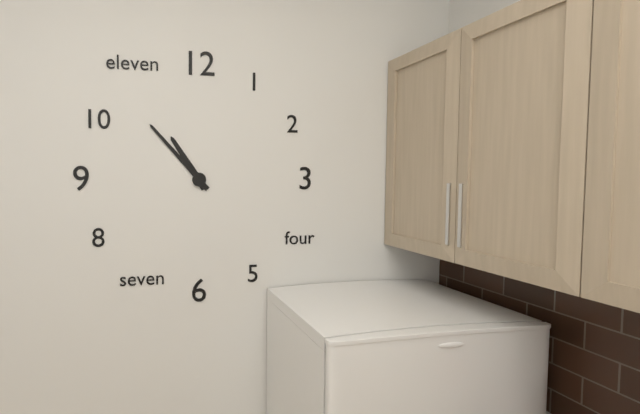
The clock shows 10 h 53 min
